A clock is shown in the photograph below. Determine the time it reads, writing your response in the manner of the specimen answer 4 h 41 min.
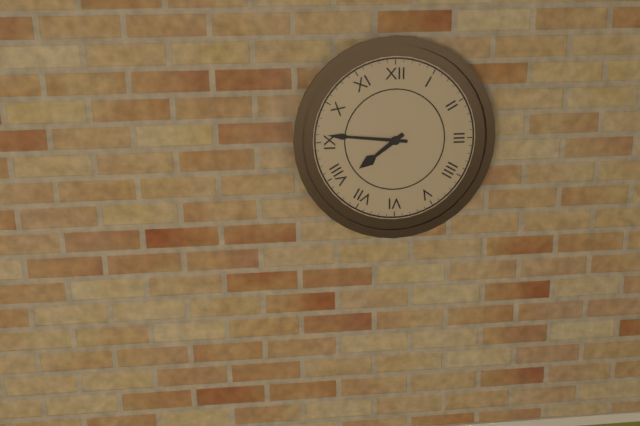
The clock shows 7 h 46 min
